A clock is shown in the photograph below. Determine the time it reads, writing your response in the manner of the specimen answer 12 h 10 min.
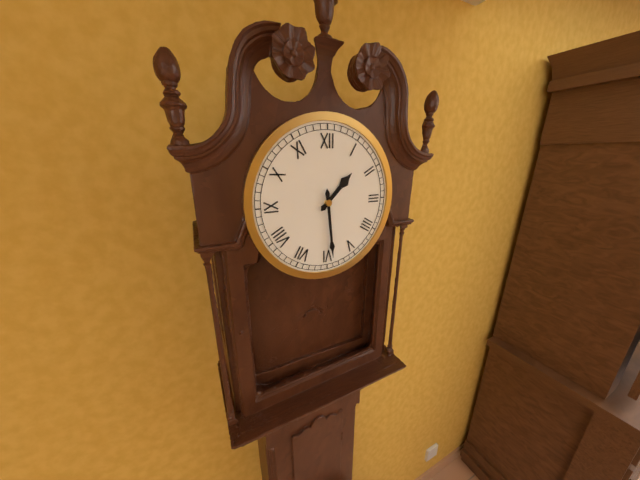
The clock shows 1 h 29 min
